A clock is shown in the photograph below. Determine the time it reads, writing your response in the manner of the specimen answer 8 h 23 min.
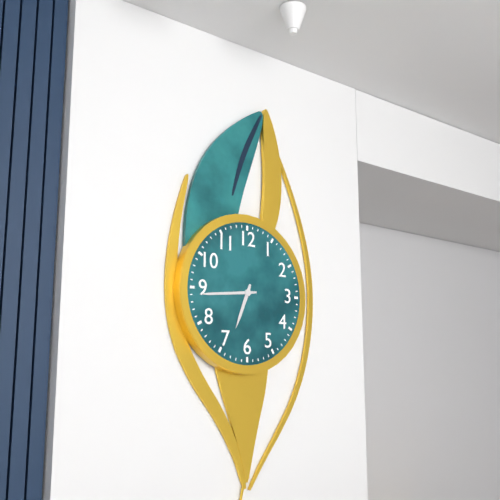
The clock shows 6 h 44 min
